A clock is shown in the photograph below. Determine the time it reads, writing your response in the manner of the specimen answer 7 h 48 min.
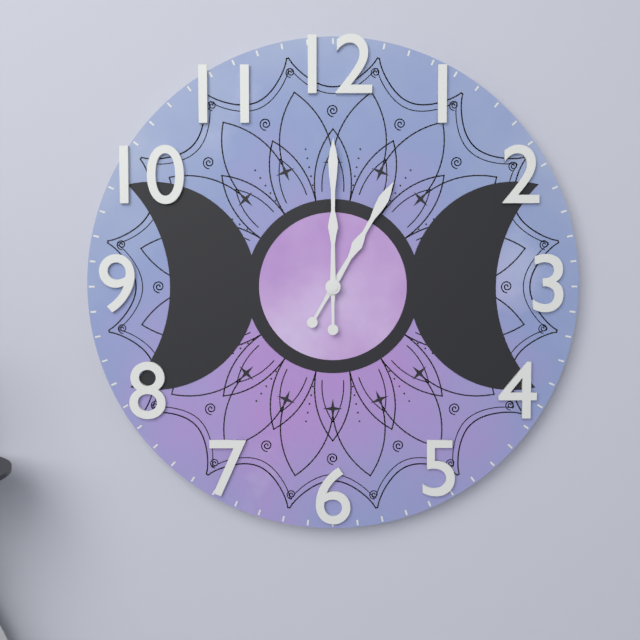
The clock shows 1 h 00 min
